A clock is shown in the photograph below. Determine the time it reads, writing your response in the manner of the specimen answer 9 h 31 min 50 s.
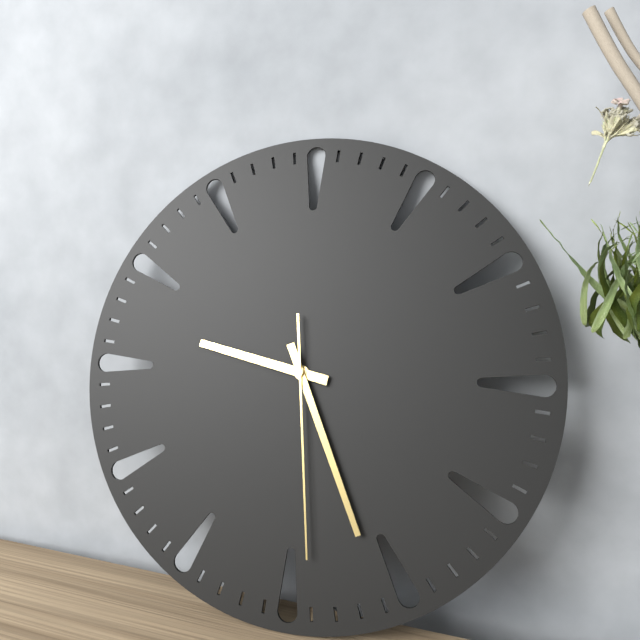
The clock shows 9 h 26 min 29 s
